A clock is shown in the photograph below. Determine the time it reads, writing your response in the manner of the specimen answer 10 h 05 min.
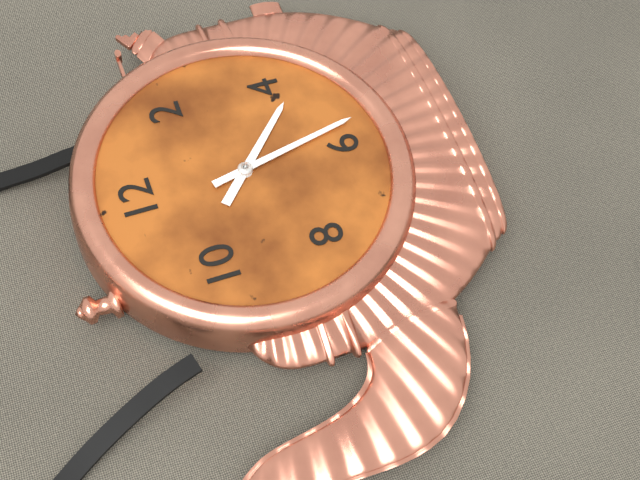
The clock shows 4 h 28 min
